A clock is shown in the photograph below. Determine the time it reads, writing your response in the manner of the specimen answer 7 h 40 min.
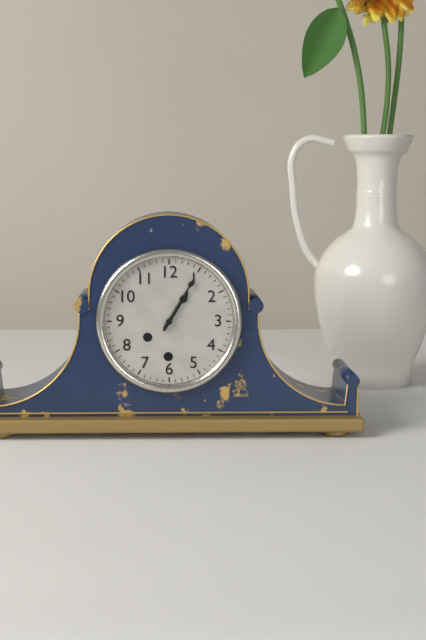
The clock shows 1 h 05 min
